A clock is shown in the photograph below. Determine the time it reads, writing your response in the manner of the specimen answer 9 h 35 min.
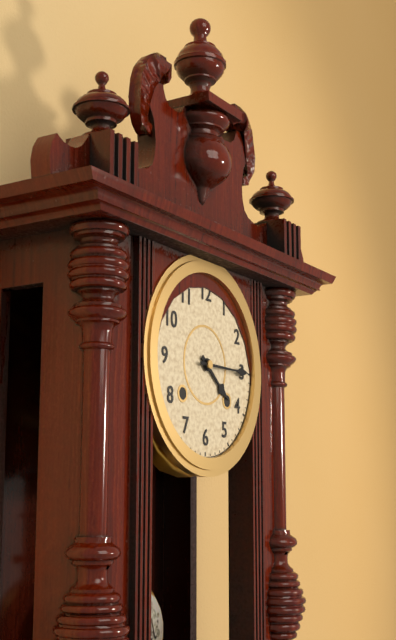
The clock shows 4 h 15 min
